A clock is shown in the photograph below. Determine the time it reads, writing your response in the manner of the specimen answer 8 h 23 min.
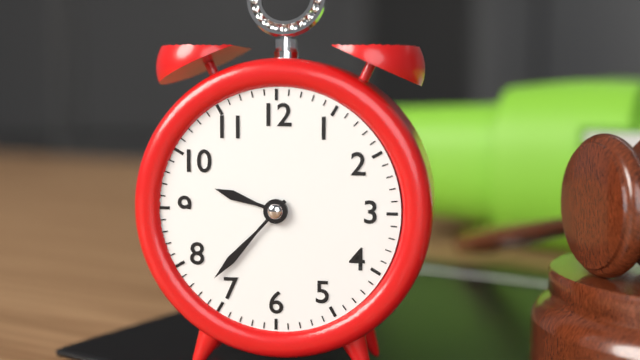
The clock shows 9 h 37 min
